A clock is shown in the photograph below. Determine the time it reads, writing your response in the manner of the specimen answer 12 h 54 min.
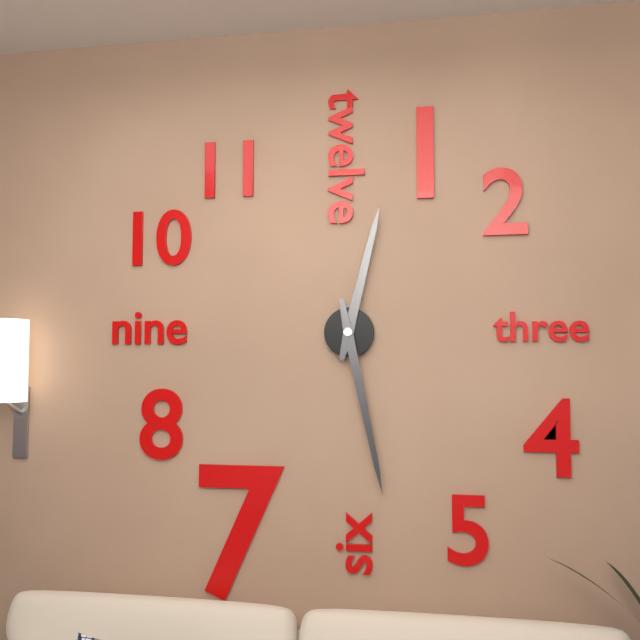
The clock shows 12 h 28 min
